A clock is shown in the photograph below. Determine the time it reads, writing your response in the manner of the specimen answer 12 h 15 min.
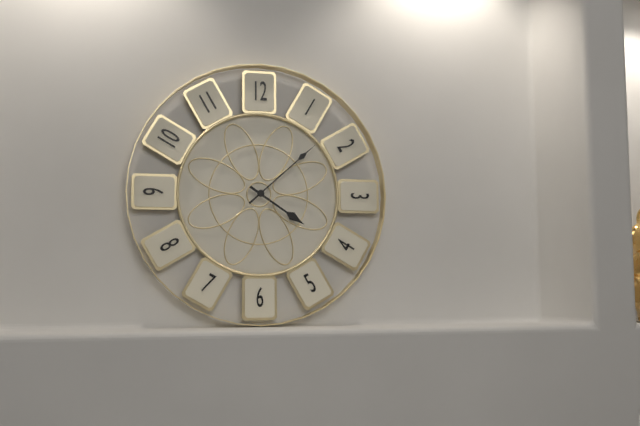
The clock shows 4 h 08 min
